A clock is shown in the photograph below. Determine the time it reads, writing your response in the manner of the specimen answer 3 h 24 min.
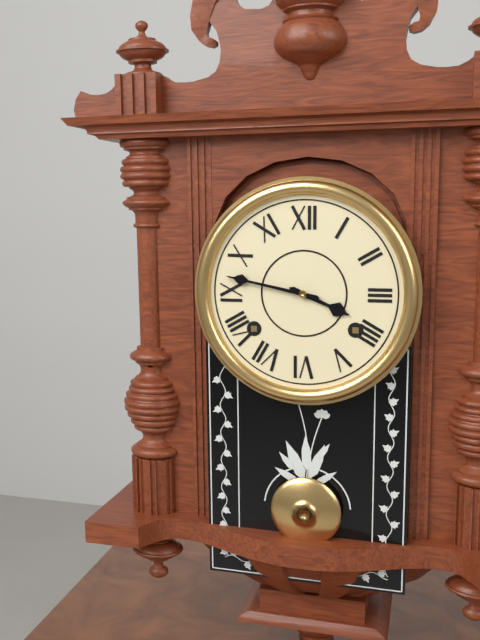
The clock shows 3 h 47 min
